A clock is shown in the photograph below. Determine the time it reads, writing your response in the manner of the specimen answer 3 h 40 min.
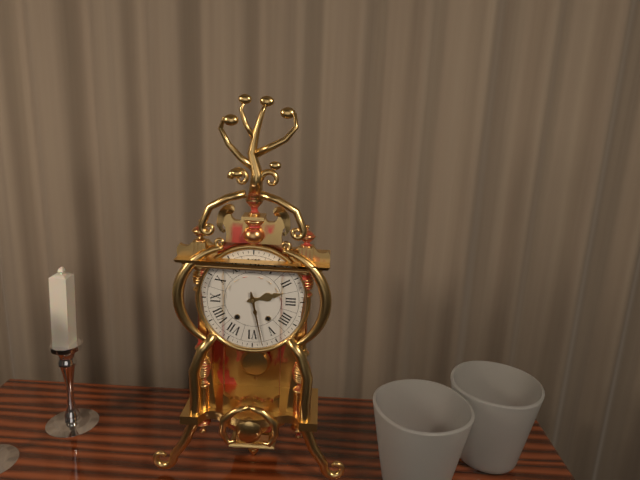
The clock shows 2 h 28 min
